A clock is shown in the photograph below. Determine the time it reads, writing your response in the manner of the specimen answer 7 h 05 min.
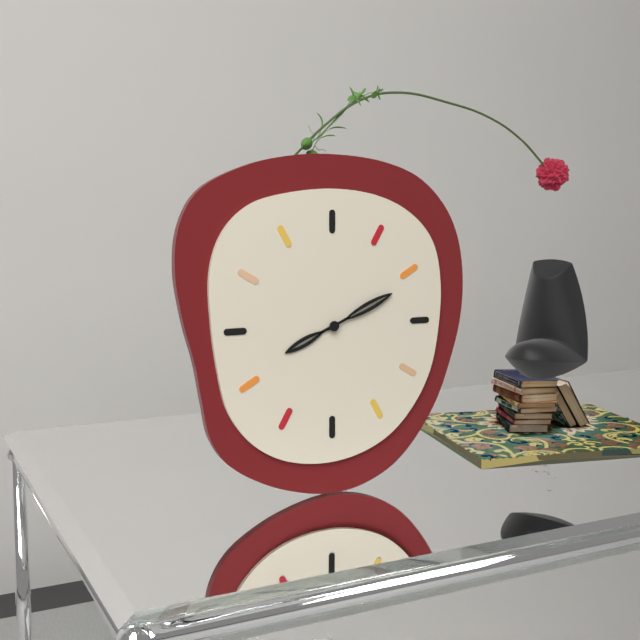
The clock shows 8 h 11 min
